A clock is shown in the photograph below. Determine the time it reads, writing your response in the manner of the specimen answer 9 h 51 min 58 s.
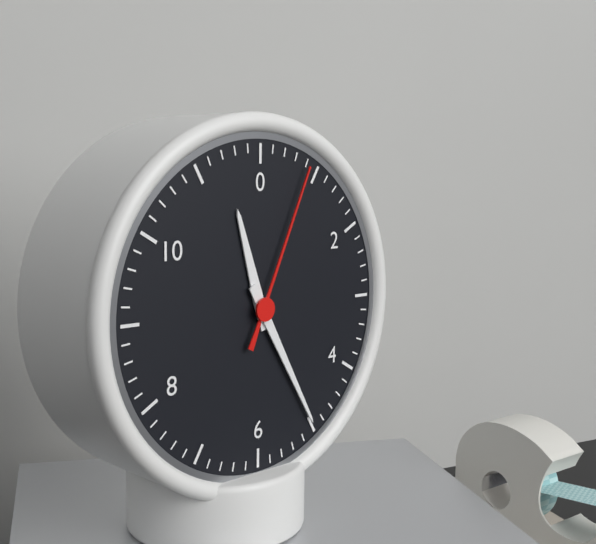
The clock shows 11 h 25 min 04 s
